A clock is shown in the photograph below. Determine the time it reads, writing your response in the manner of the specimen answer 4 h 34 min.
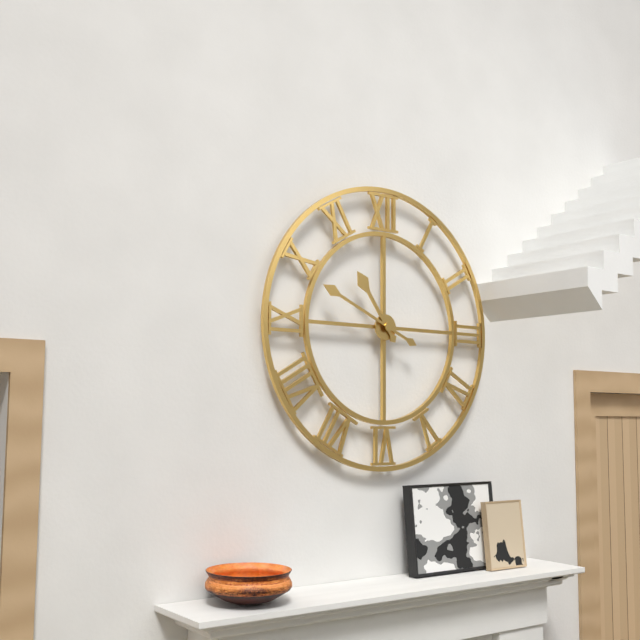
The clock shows 10 h 49 min
